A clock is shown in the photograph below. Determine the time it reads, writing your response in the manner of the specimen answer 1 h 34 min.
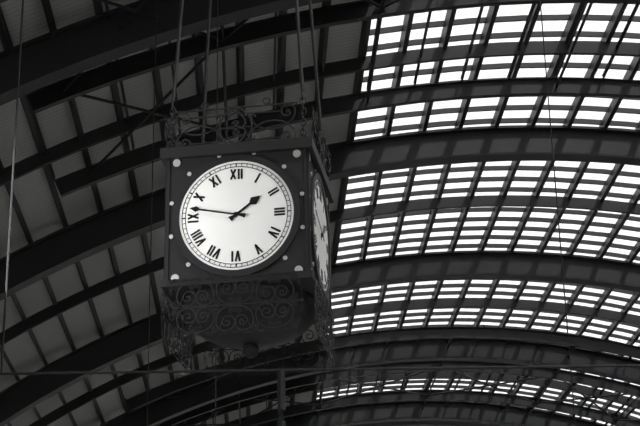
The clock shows 1 h 47 min
